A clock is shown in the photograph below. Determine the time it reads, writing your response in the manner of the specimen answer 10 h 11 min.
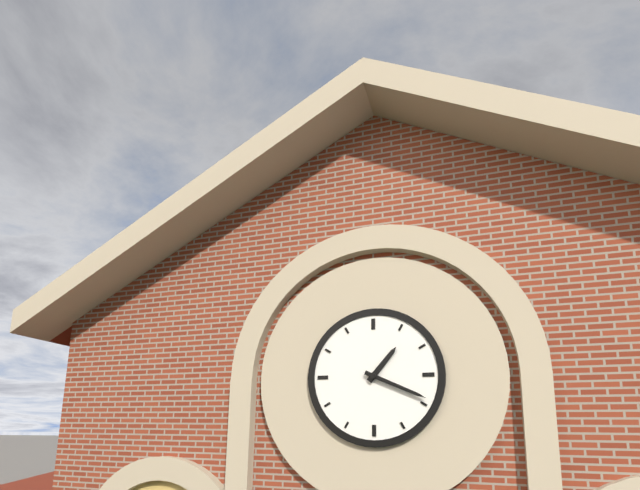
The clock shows 1 h 19 min
